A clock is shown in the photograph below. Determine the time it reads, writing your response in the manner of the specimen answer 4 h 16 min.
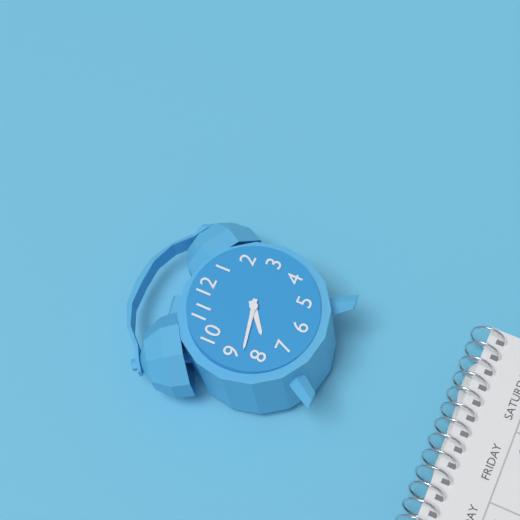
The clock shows 7 h 43 min
